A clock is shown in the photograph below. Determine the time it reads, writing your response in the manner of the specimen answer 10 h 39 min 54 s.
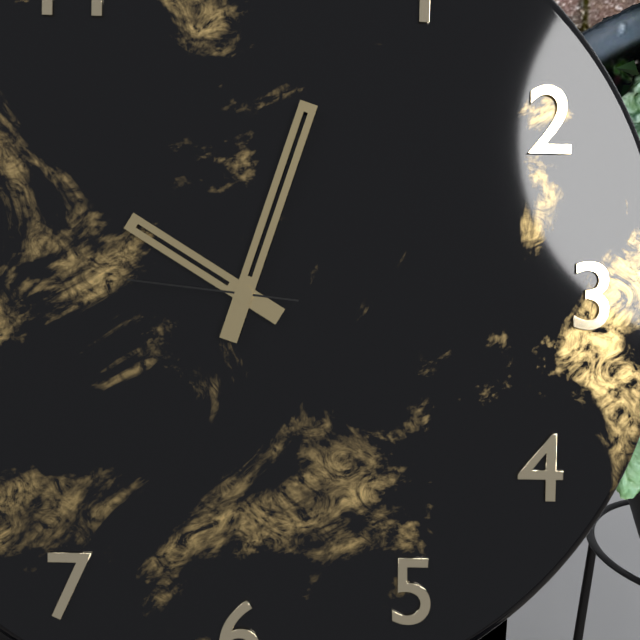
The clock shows 10 h 03 min 46 s
